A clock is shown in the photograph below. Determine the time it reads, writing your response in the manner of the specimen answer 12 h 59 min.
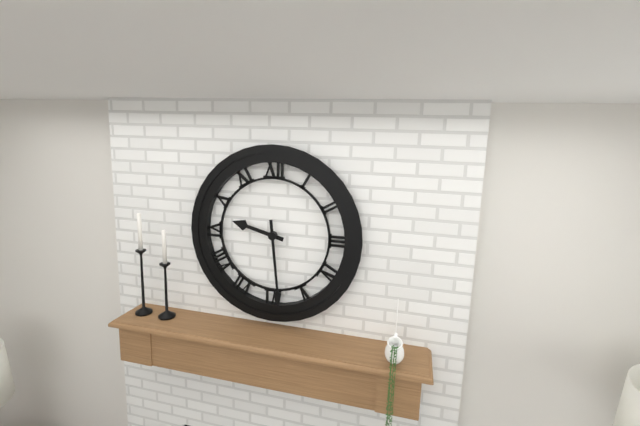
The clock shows 9 h 29 min
